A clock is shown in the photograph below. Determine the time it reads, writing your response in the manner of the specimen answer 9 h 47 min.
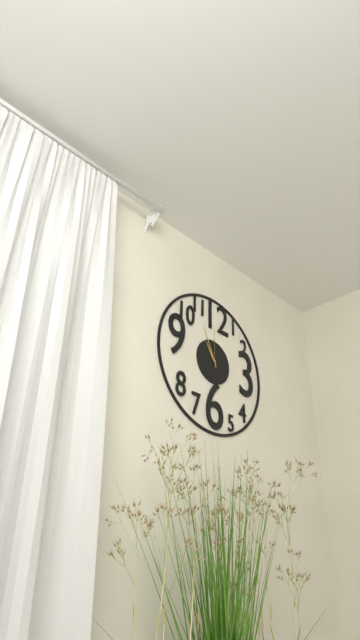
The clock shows 10 h 56 min
